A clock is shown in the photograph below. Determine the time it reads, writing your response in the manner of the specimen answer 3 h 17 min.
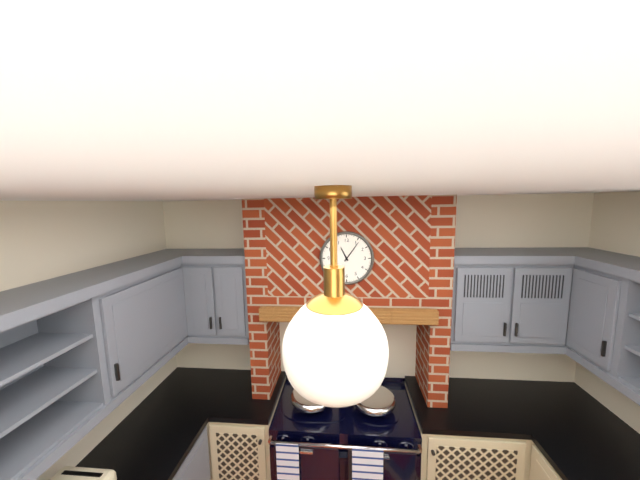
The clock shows 11 h 06 min
